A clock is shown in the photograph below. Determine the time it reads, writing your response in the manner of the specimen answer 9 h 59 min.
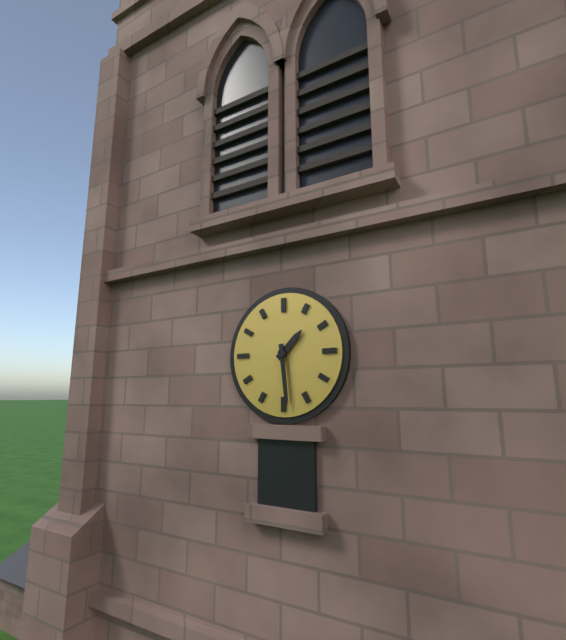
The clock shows 1 h 29 min
